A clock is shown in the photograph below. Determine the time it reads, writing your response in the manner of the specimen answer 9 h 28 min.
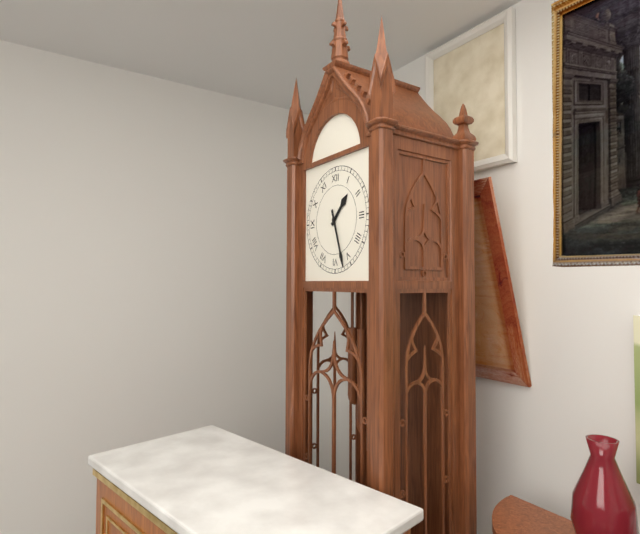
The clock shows 1 h 27 min
